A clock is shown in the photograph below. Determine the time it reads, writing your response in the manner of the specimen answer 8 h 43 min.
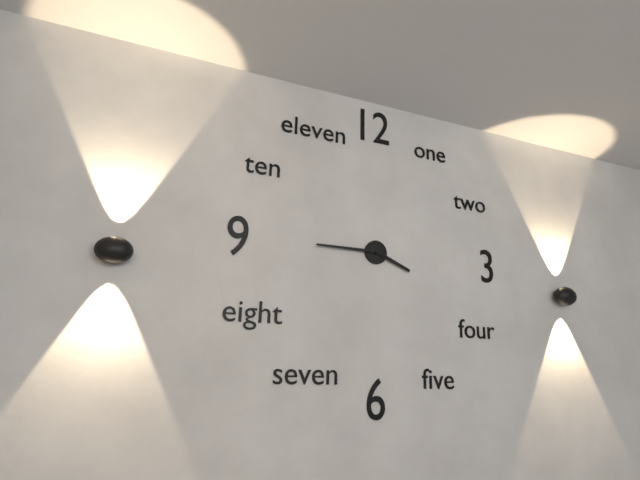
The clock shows 3 h 45 min
